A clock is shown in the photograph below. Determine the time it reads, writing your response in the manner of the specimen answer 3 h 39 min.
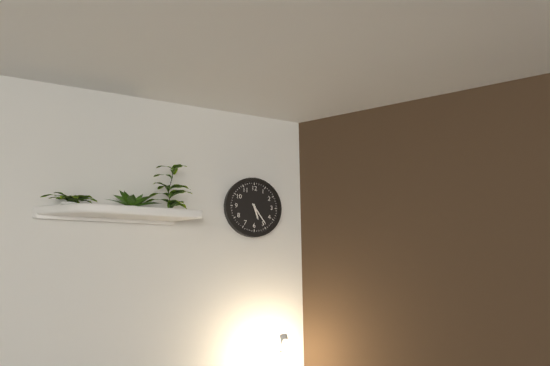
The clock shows 5 h 24 min
